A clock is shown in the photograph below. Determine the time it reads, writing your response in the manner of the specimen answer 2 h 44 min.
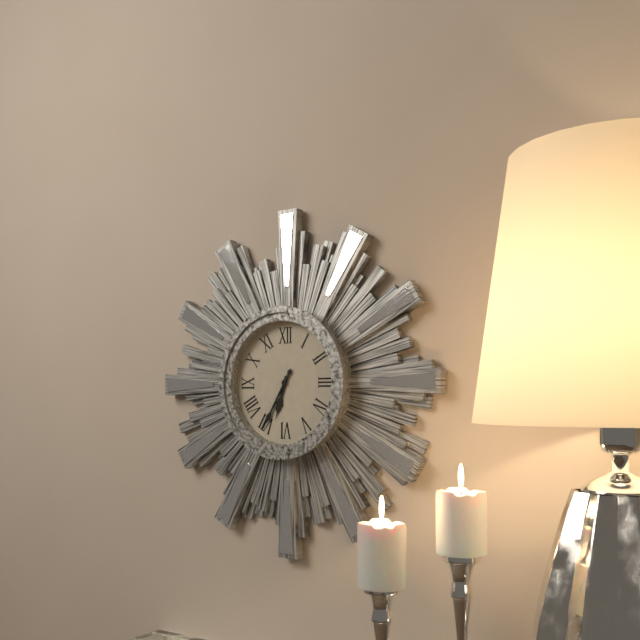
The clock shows 6 h 35 min
